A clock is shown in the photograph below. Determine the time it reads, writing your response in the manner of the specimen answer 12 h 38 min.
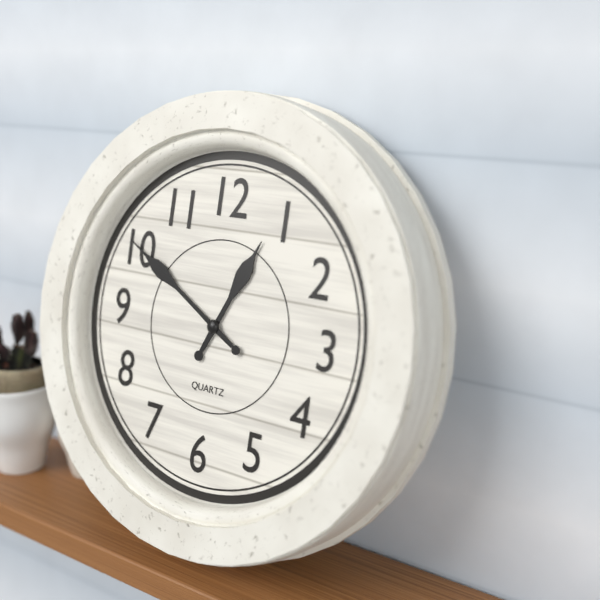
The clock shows 12 h 50 min
